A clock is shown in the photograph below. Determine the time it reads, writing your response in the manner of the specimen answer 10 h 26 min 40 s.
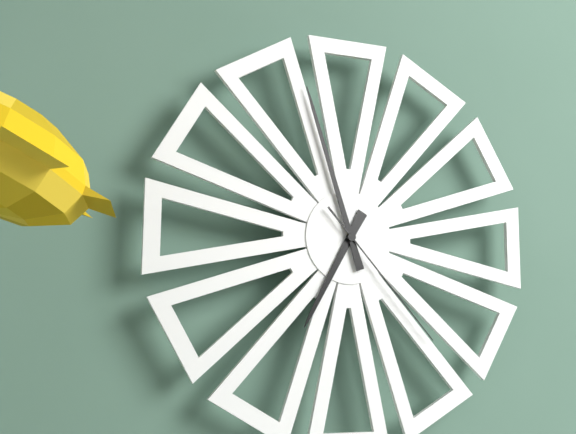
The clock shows 6 h 57 min 23 s
